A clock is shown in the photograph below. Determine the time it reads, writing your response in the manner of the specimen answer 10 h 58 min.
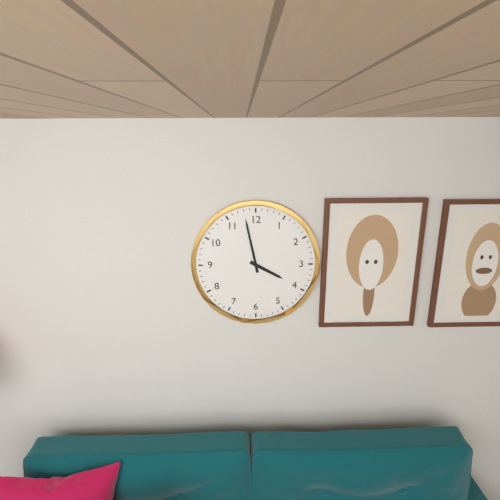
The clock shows 3 h 58 min
